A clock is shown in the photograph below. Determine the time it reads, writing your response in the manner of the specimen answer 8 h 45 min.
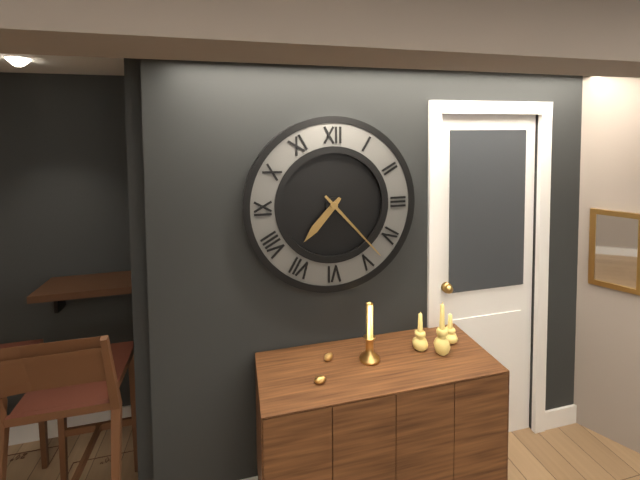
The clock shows 7 h 23 min
